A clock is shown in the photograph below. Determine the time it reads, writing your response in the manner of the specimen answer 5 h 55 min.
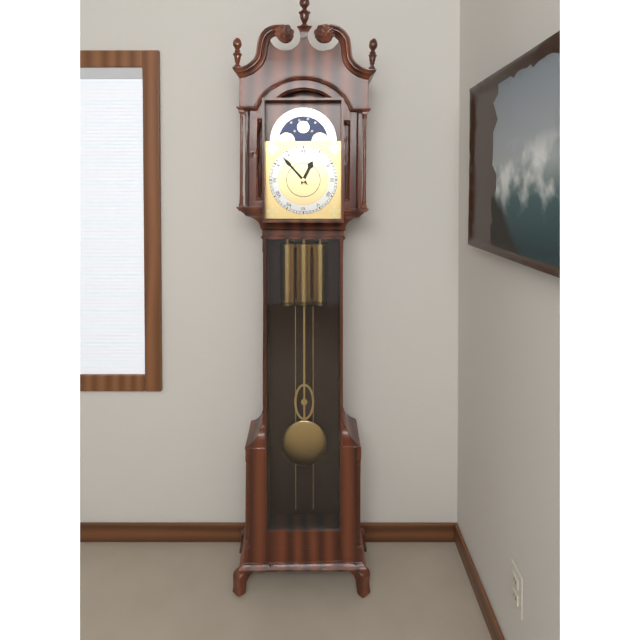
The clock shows 12 h 53 min
